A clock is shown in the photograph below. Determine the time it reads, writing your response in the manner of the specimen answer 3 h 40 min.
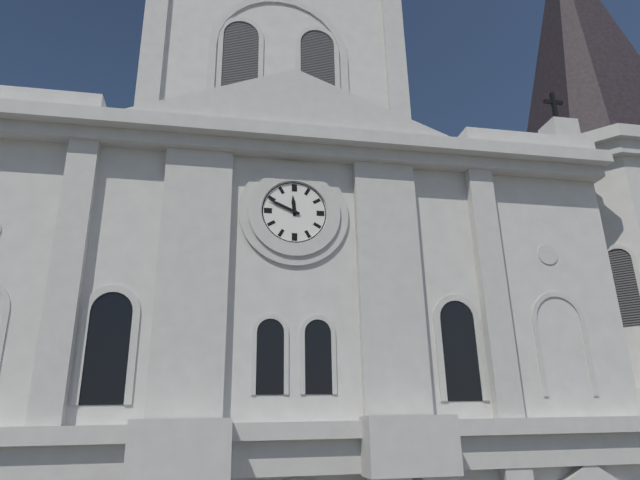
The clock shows 11 h 49 min
